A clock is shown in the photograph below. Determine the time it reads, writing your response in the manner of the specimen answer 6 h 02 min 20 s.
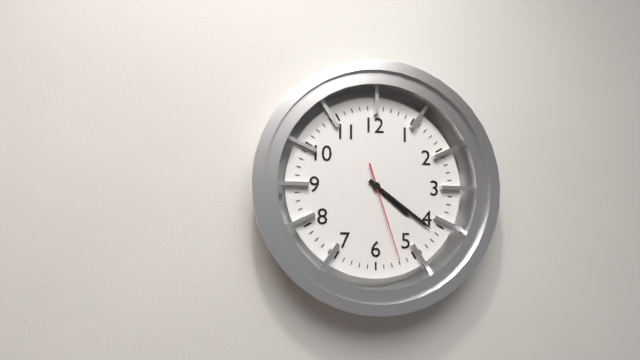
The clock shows 4 h 21 min 27 s
